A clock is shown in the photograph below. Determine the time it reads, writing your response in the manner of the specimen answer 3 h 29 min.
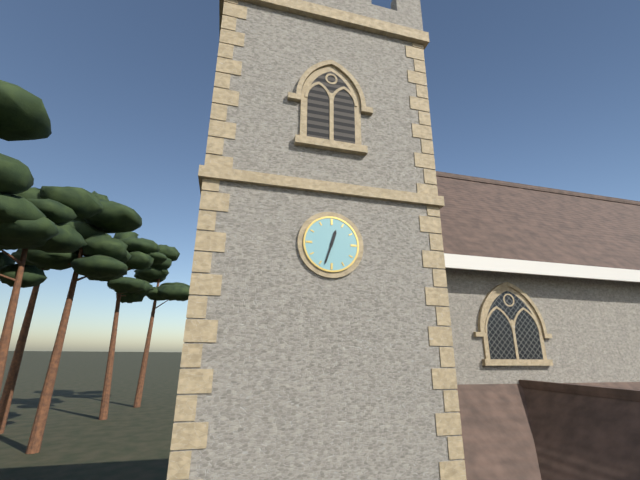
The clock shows 12 h 33 min
